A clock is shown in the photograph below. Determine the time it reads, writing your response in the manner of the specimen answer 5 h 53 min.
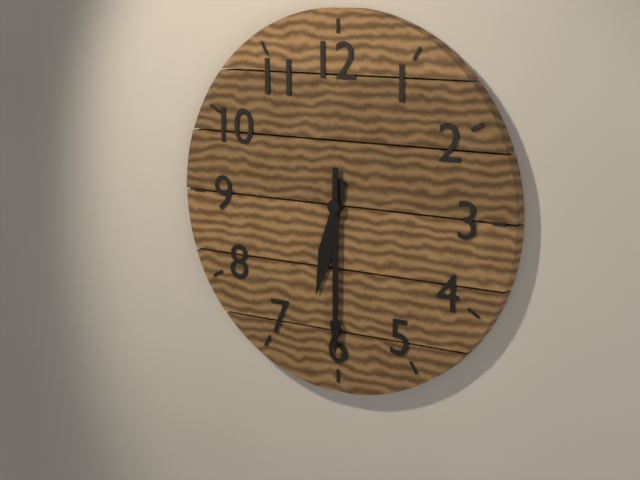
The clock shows 6 h 30 min
